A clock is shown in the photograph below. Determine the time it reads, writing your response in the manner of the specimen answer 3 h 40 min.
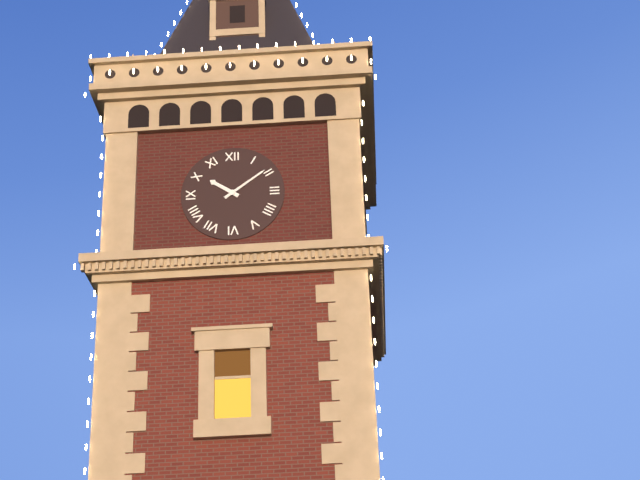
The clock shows 10 h 09 min
